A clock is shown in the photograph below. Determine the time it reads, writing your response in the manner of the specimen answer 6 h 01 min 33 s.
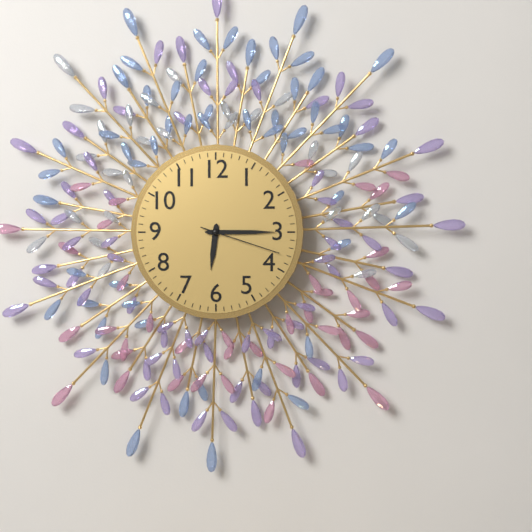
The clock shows 6 h 15 min 18 s
